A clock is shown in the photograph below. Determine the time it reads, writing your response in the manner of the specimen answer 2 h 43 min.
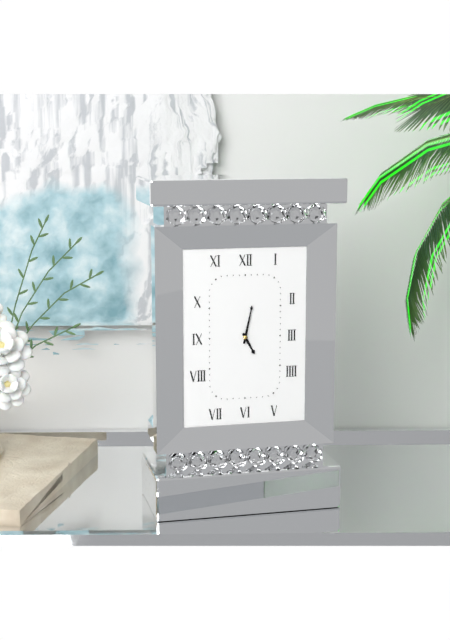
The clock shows 5 h 02 min
